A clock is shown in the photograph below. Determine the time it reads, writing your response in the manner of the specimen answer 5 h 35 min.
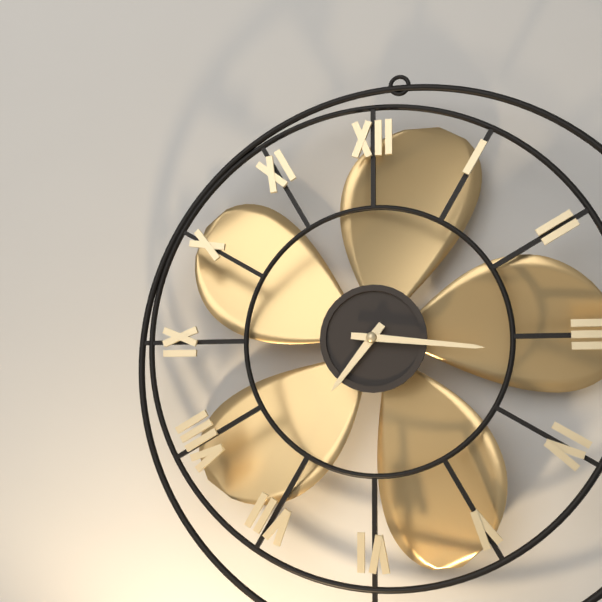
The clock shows 7 h 16 min
